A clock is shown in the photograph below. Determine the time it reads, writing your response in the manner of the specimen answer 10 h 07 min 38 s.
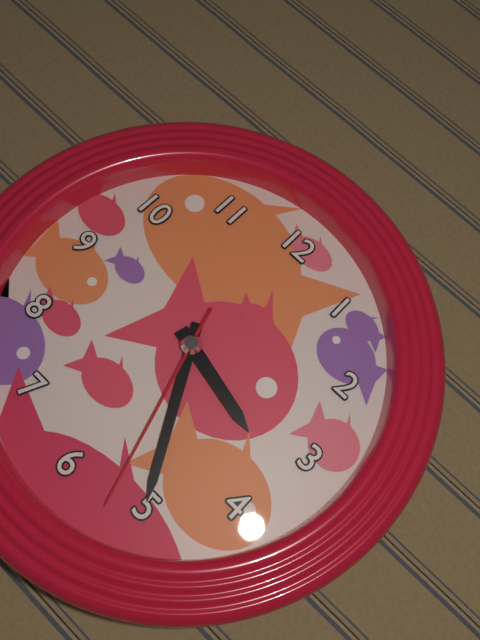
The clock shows 3 h 25 min 27 s
